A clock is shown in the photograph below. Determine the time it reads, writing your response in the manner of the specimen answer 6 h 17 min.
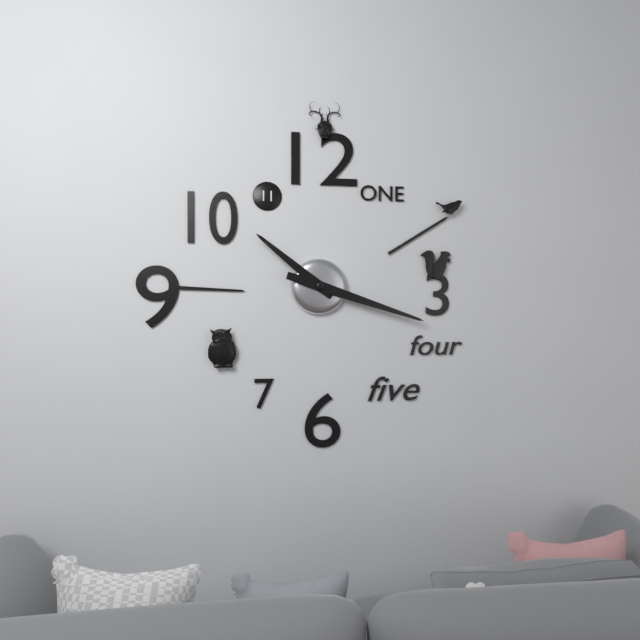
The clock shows 10 h 18 min
